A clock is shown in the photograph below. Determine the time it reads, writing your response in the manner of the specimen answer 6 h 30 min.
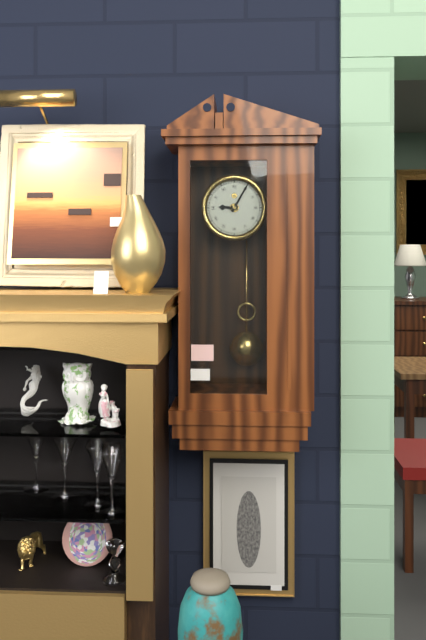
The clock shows 9 h 05 min
